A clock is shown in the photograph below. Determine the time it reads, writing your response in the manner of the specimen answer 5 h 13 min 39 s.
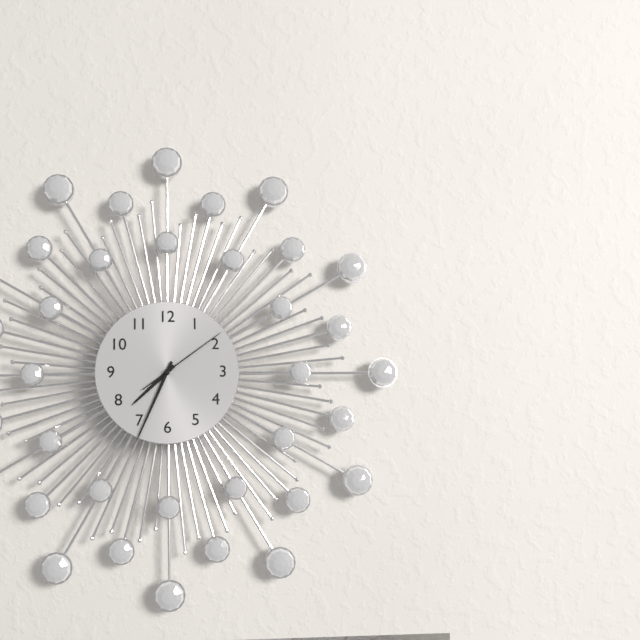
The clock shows 7 h 34 min 09 s
